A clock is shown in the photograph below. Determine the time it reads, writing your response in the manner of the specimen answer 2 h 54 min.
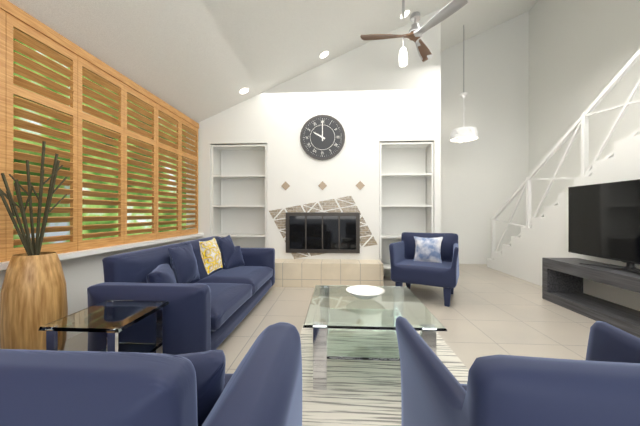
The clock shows 10 h 00 min
